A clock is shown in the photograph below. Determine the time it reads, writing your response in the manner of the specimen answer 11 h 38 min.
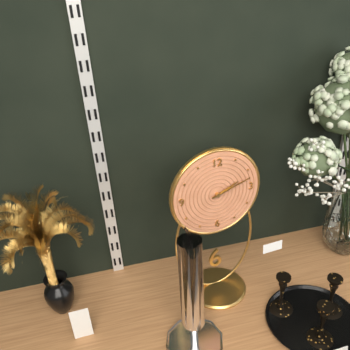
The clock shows 2 h 12 min
